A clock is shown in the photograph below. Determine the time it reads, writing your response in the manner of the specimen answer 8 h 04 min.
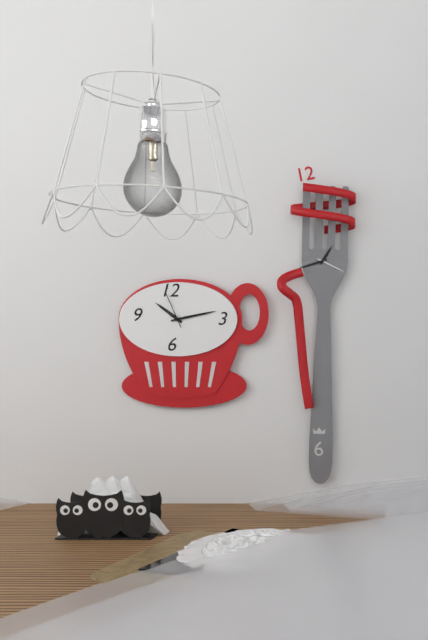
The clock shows 10 h 13 min
